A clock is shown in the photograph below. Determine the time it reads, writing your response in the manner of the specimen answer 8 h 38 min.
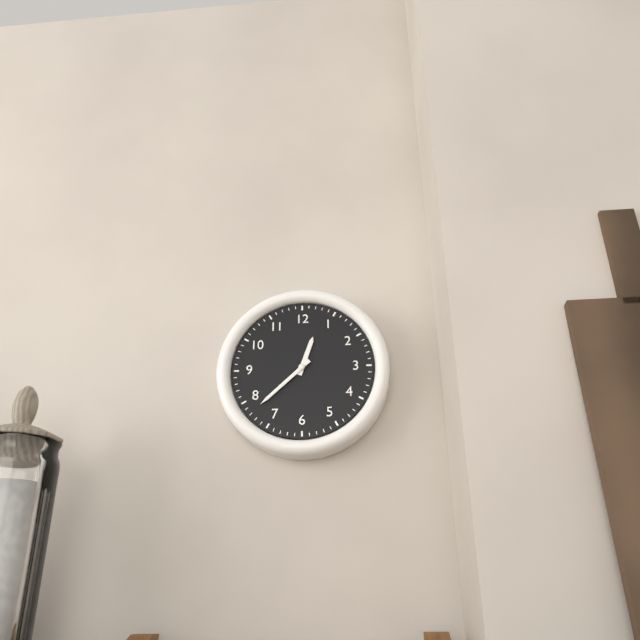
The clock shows 12 h 38 min
